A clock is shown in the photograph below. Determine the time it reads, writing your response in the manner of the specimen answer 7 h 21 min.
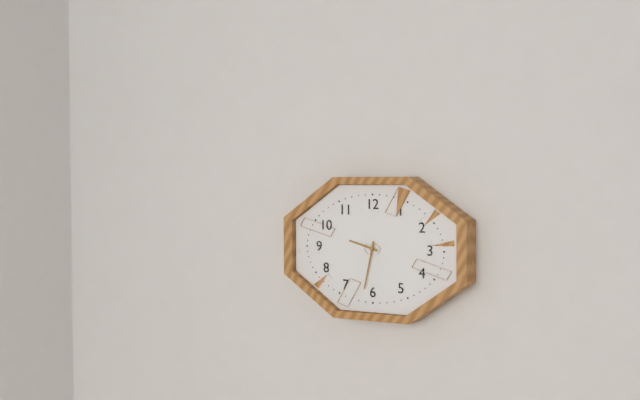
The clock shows 9 h 32 min
